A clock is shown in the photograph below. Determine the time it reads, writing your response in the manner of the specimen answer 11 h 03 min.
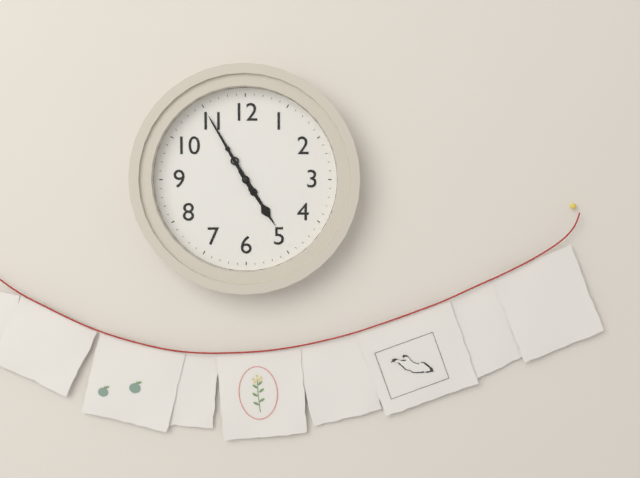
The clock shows 4 h 55 min
